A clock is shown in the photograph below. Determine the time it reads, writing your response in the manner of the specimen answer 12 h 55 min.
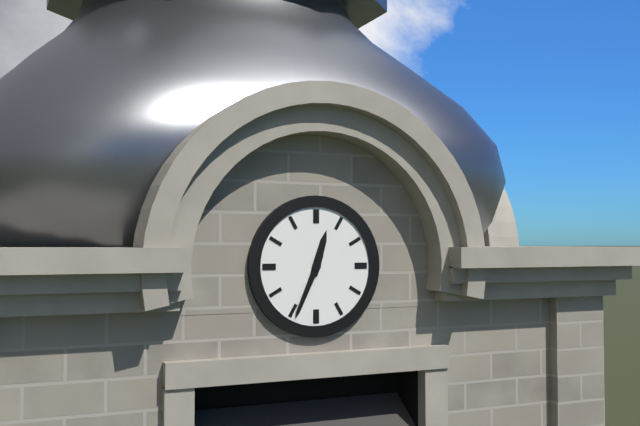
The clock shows 12 h 34 min
